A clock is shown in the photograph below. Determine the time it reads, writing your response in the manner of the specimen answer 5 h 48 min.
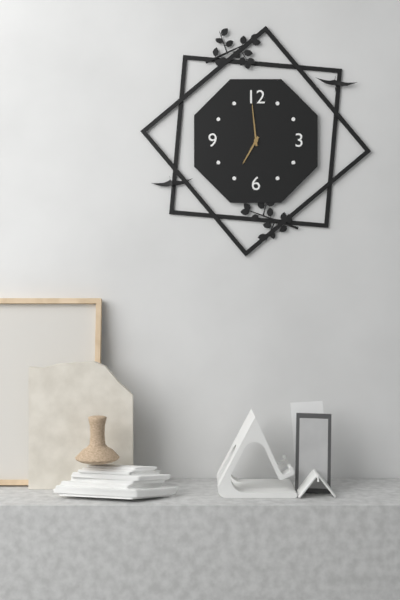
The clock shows 6 h 59 min
